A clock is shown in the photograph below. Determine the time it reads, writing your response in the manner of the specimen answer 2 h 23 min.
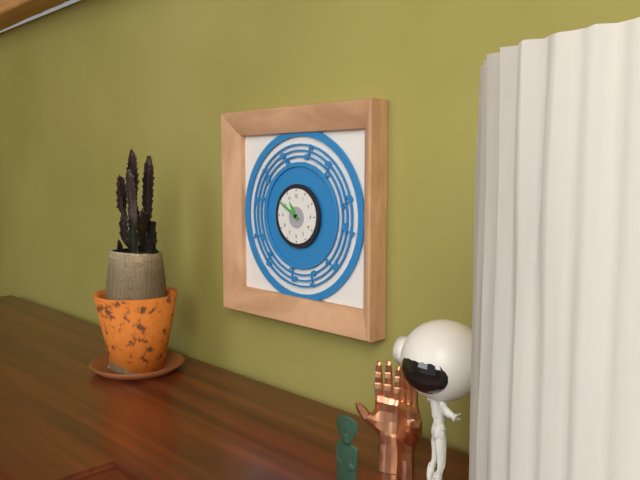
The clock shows 10 h 50 min
